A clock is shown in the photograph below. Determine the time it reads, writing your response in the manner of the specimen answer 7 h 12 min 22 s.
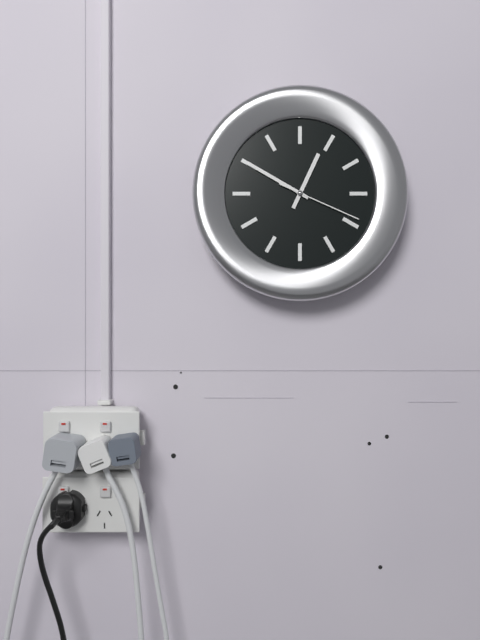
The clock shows 12 h 50 min 19 s
